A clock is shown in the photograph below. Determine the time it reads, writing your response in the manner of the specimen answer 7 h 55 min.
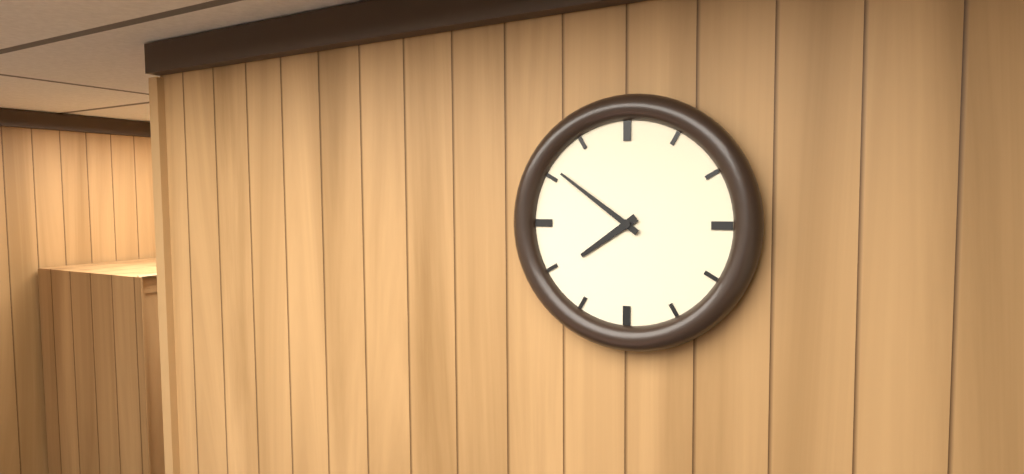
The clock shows 7 h 51 min
